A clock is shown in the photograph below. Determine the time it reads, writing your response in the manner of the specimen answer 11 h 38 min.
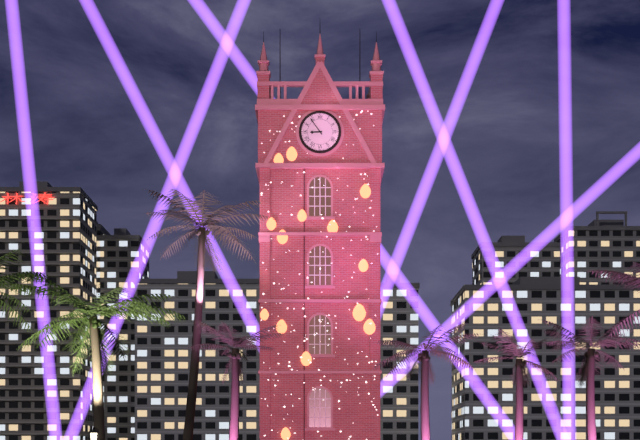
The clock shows 8 h 54 min
